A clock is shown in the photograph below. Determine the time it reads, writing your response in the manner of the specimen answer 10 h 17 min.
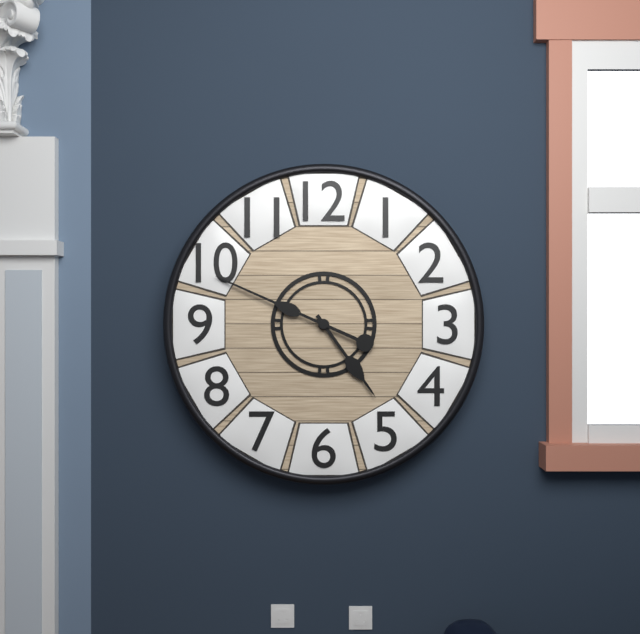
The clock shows 4 h 49 min
